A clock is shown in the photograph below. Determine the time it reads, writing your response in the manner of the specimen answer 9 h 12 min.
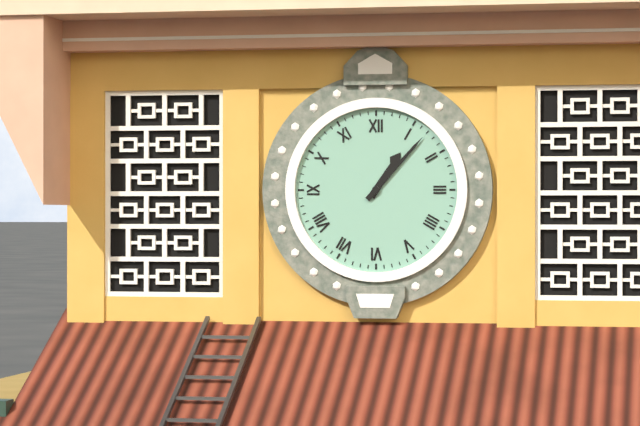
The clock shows 1 h 07 min
